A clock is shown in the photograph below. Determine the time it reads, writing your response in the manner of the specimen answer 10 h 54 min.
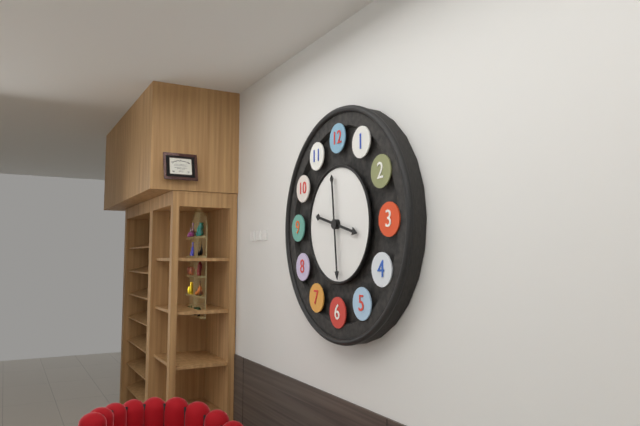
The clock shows 3 h 29 min
